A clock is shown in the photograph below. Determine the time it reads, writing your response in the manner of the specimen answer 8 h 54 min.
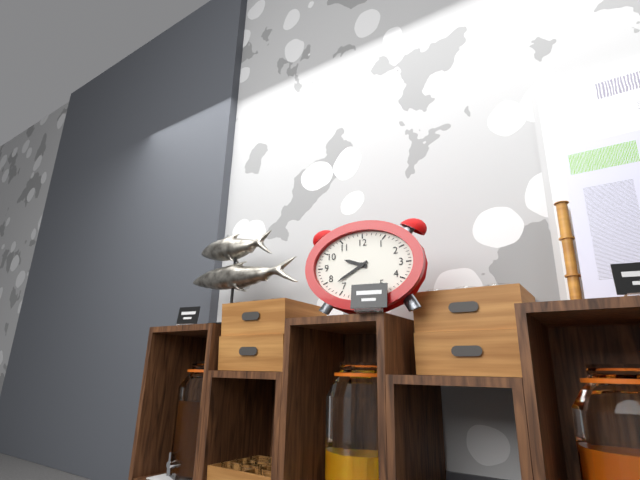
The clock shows 9 h 40 min
